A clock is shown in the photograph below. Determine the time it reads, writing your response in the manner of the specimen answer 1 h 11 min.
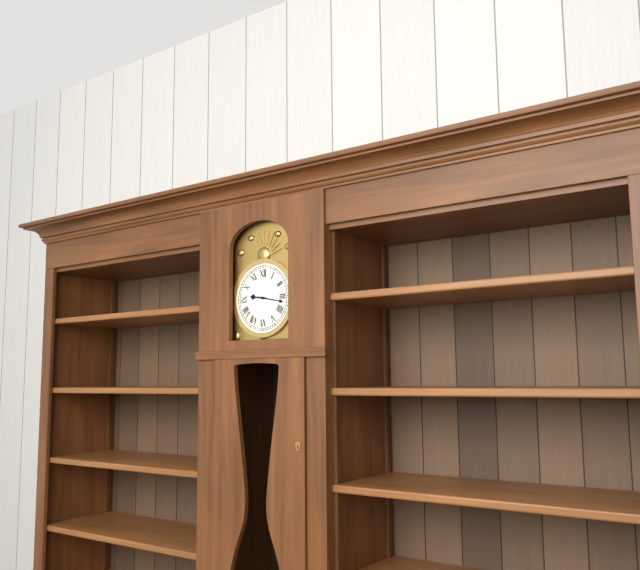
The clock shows 9 h 17 min
